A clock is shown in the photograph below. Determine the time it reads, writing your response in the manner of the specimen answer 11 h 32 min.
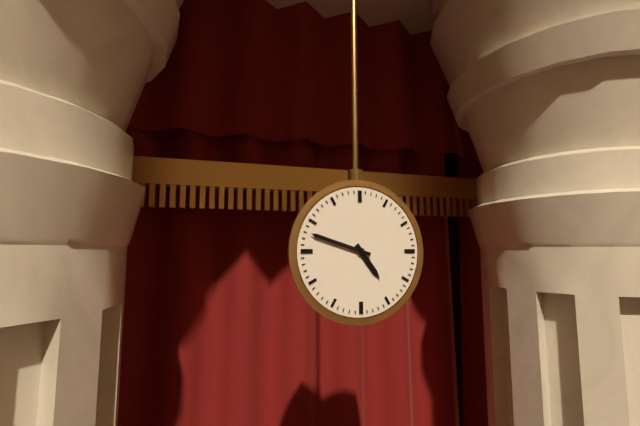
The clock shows 4 h 48 min
